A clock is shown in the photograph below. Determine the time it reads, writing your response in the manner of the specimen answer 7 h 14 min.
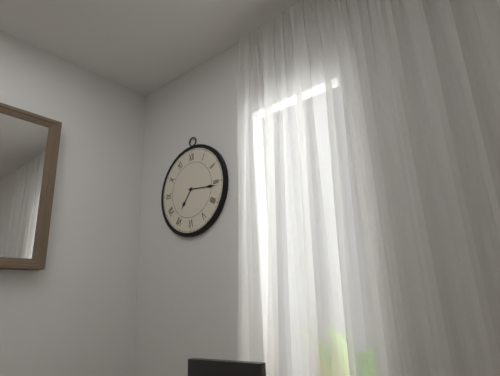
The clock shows 7 h 16 min
